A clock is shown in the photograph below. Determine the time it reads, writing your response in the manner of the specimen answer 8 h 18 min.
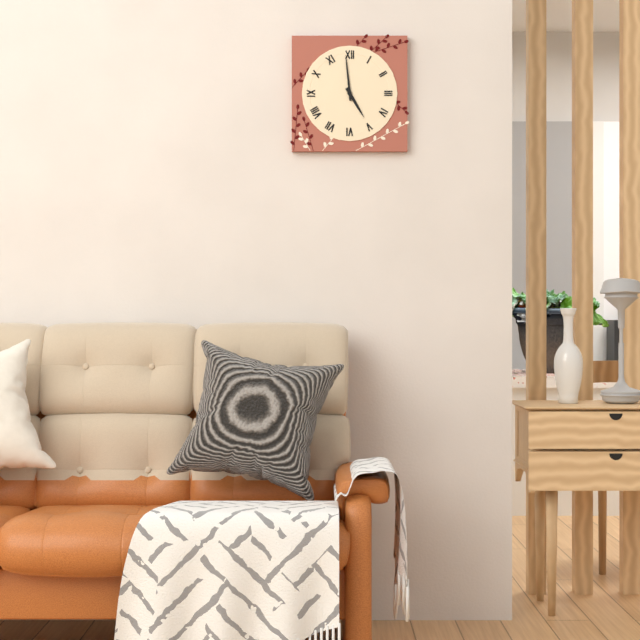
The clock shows 4 h 59 min
